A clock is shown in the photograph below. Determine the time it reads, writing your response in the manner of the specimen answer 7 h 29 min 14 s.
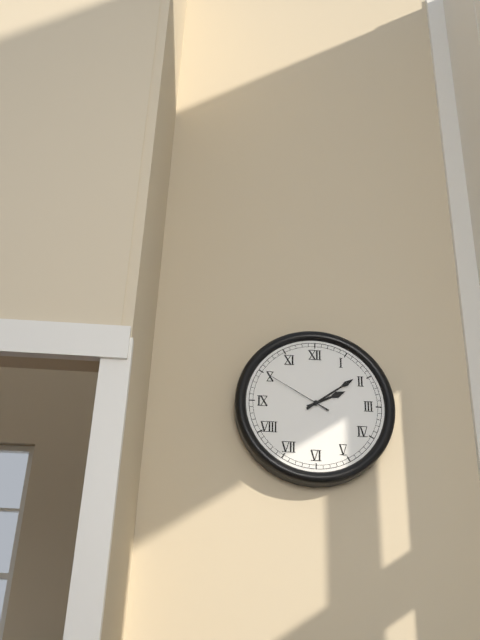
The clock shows 2 h 09 min 50 s
